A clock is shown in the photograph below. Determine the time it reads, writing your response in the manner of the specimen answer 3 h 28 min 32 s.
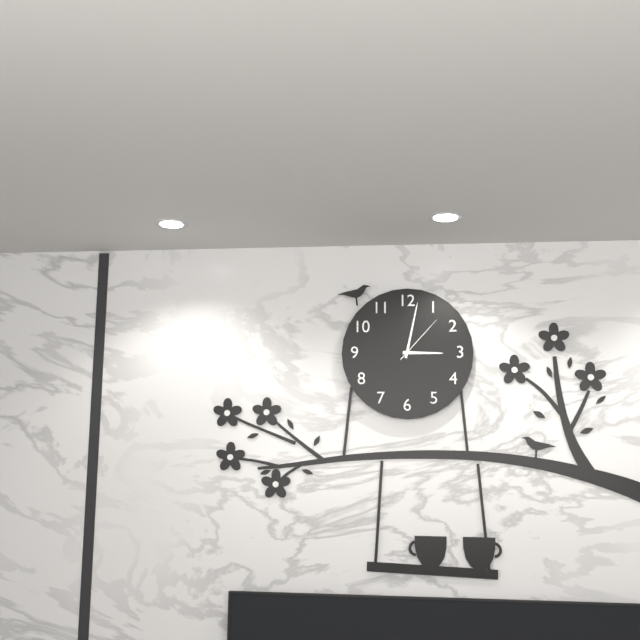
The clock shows 3 h 02 min 07 s
